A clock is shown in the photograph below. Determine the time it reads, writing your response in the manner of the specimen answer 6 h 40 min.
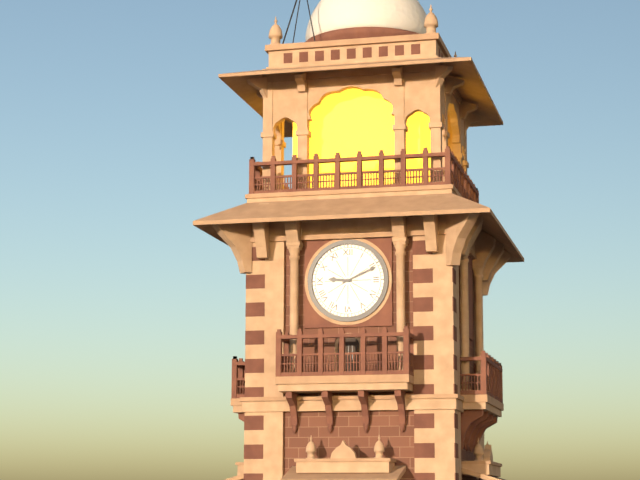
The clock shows 9 h 11 min
